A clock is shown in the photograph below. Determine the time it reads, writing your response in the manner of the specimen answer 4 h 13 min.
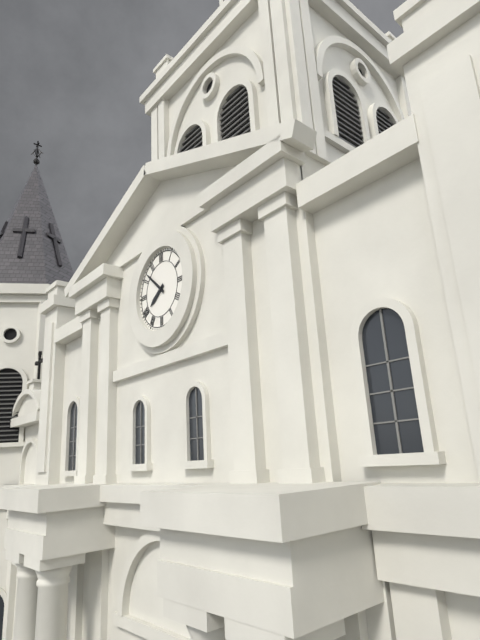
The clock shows 7 h 52 min
